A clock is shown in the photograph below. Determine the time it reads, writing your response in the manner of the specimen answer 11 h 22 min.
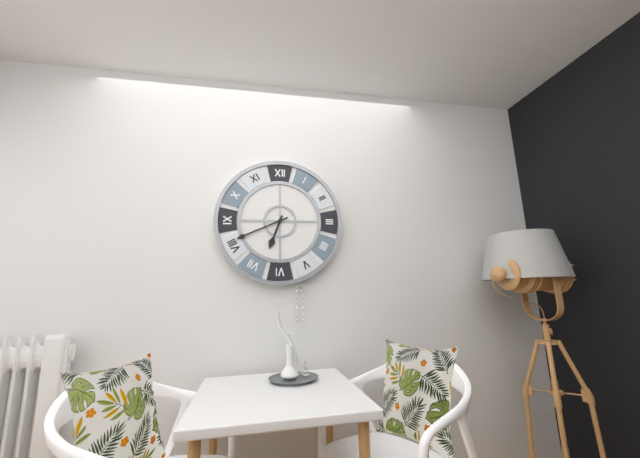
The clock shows 6 h 41 min
